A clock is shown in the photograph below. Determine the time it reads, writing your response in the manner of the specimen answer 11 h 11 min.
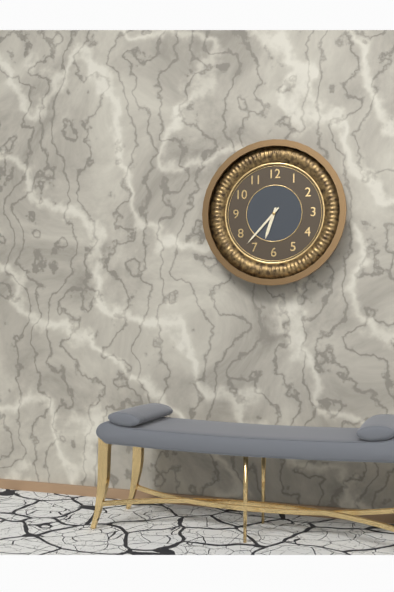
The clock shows 6 h 37 min
